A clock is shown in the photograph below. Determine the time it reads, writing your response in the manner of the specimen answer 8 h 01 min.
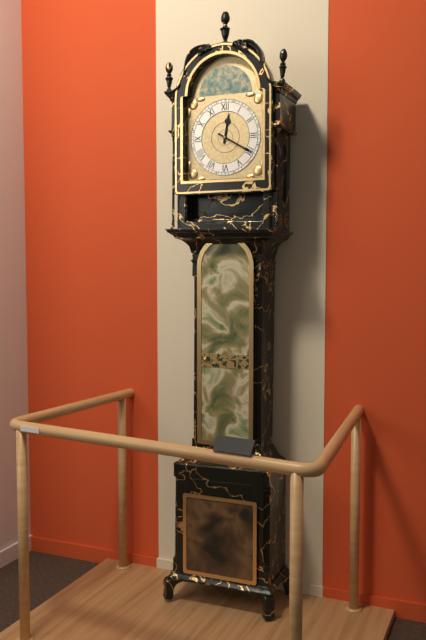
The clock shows 12 h 20 min
